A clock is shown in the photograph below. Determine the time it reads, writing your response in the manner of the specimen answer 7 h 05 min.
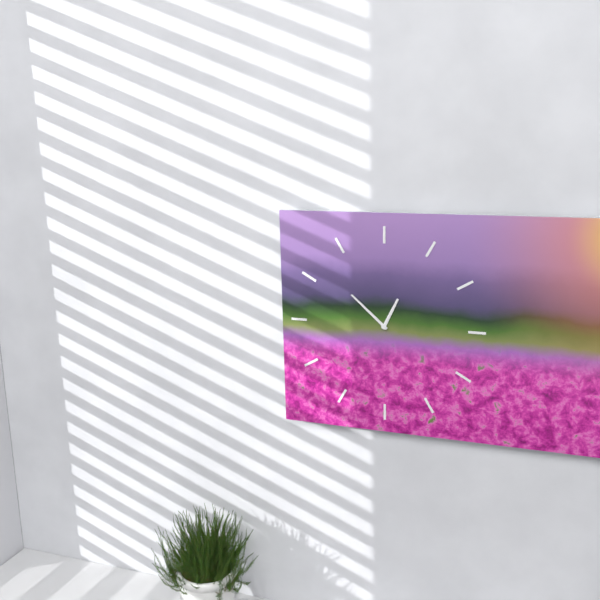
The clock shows 12 h 52 min
